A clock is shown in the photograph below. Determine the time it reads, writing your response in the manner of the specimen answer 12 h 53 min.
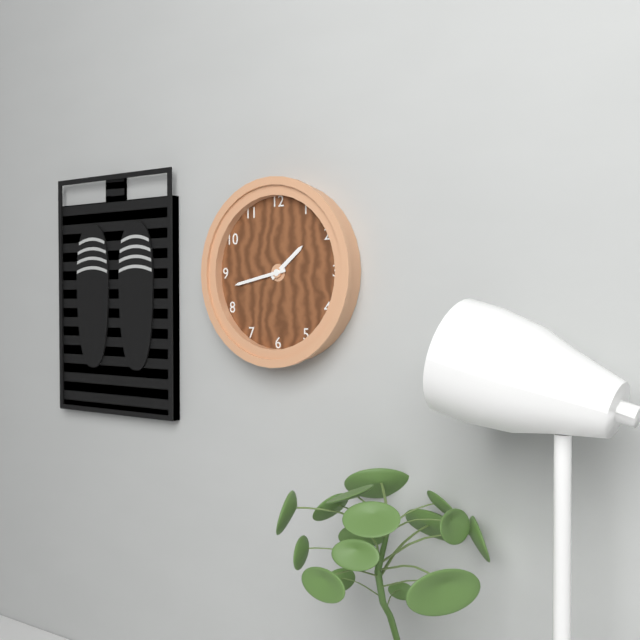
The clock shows 1 h 43 min
